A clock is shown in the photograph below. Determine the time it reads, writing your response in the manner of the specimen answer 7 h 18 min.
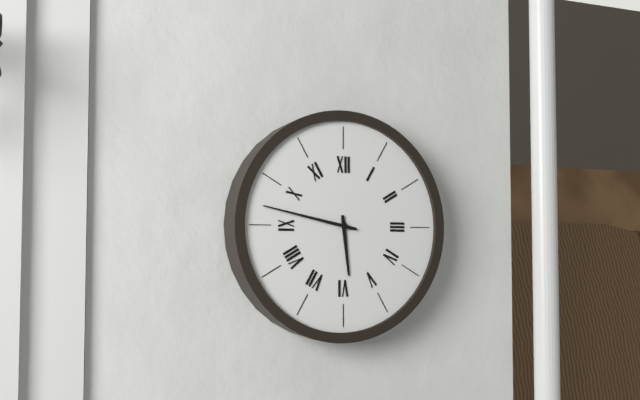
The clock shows 5 h 47 min
